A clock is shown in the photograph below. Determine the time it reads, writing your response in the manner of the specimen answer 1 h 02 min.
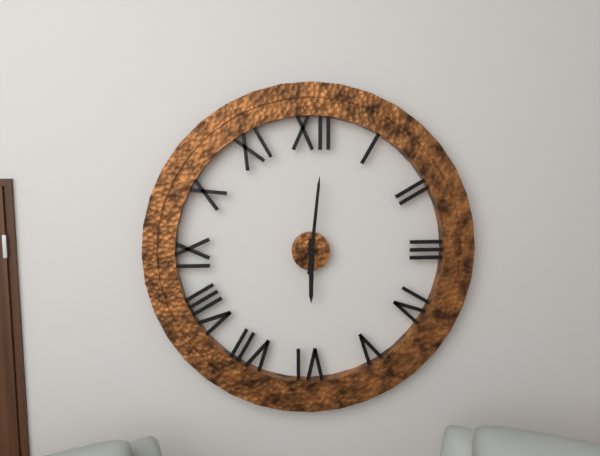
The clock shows 6 h 01 min
